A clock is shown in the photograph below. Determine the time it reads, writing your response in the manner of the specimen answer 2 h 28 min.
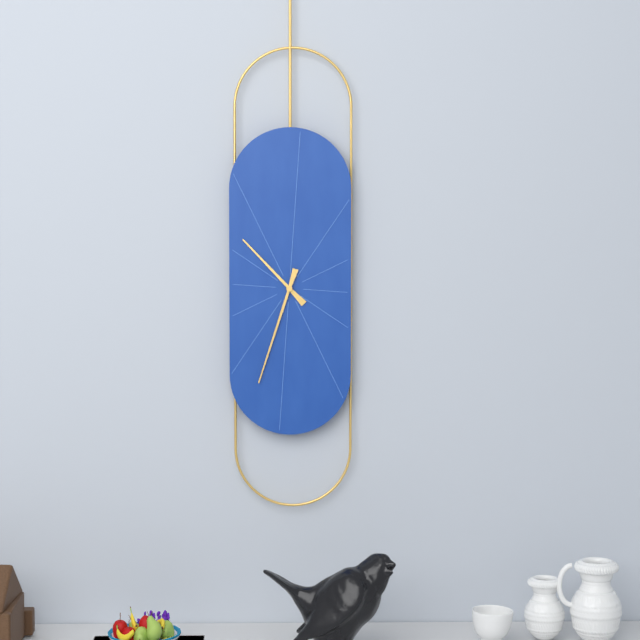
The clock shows 10 h 33 min
